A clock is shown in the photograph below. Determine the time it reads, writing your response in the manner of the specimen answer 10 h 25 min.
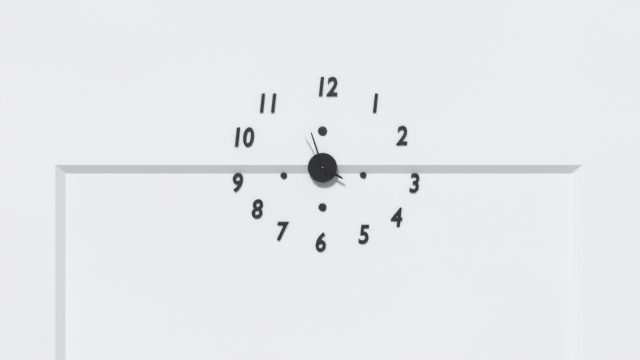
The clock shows 3 h 57 min
